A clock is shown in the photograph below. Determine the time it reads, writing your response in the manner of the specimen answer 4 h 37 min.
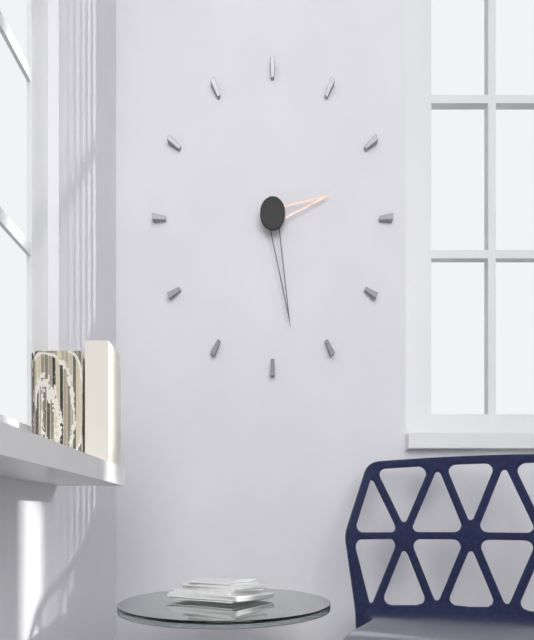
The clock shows 2 h 28 min
